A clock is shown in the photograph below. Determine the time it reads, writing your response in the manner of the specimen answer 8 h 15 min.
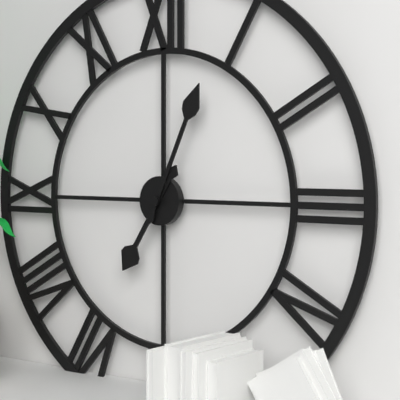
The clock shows 7 h 04 min
